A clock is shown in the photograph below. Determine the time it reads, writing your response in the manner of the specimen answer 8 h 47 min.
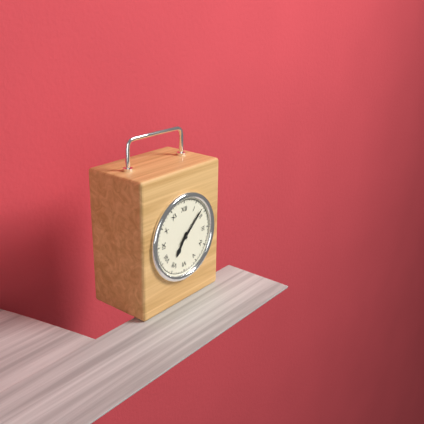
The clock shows 7 h 08 min
